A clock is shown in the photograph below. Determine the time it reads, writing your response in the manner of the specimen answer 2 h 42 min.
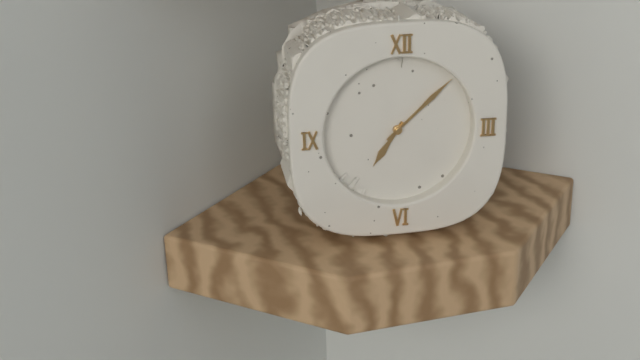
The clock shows 7 h 08 min
